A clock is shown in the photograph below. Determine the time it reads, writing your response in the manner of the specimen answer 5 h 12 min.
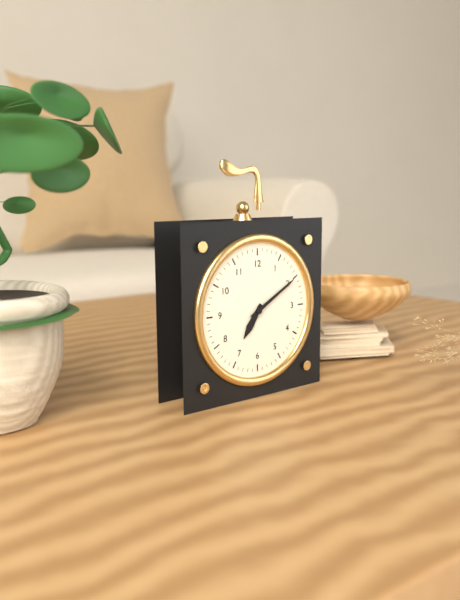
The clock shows 7 h 10 min
